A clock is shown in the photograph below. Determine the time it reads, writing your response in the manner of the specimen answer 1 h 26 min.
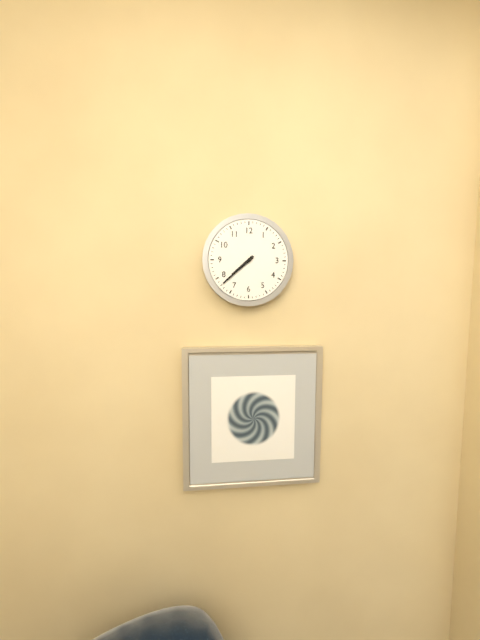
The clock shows 7 h 38 min
